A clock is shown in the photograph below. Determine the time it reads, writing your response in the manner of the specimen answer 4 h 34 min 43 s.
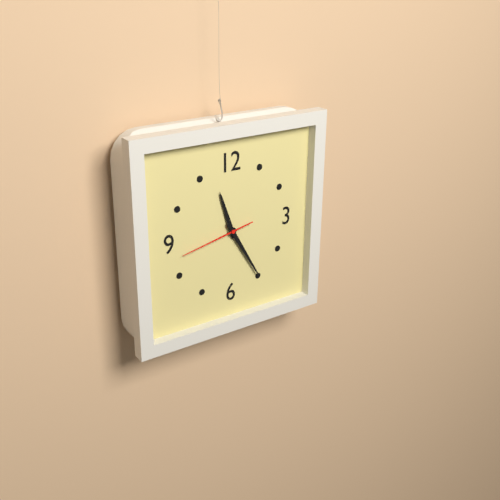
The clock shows 11 h 25 min 43 s
